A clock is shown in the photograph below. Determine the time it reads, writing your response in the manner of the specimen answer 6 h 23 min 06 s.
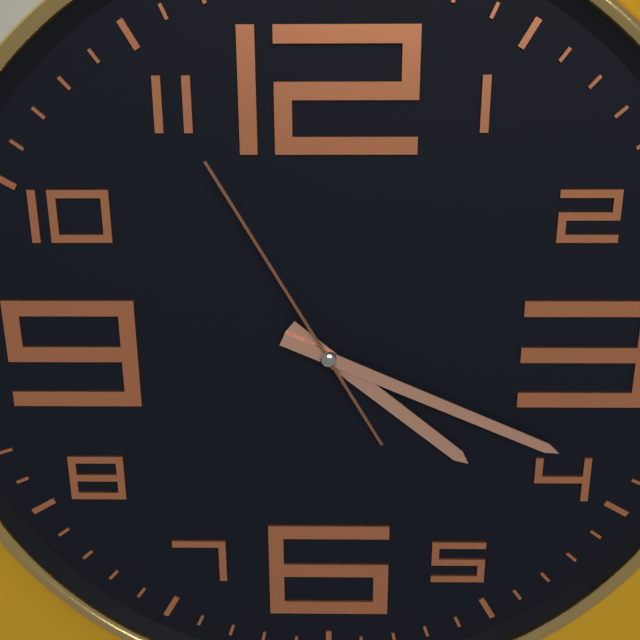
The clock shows 4 h 19 min 55 s
